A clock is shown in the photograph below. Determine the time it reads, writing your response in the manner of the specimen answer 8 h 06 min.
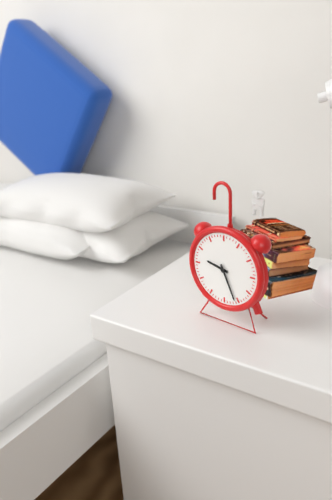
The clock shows 9 h 26 min
